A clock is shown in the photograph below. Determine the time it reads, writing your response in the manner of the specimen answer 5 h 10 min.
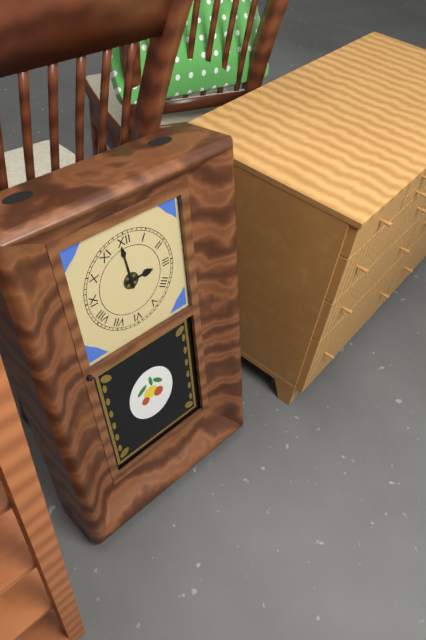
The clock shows 2 h 59 min
